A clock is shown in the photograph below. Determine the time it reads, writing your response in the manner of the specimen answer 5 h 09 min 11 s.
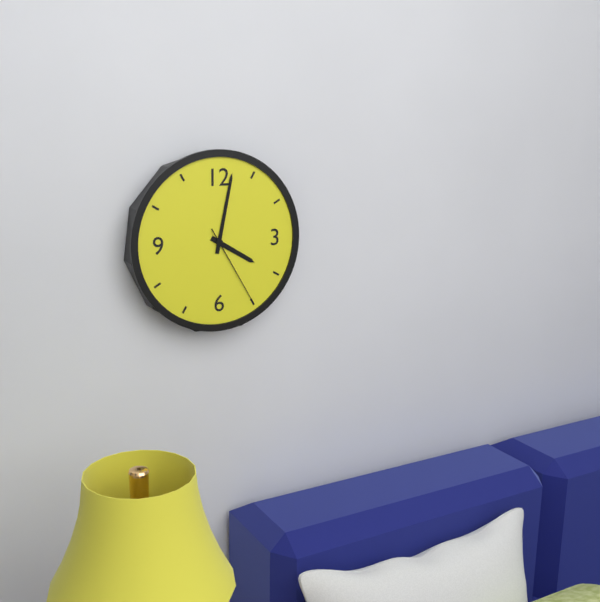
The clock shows 4 h 02 min 25 s
